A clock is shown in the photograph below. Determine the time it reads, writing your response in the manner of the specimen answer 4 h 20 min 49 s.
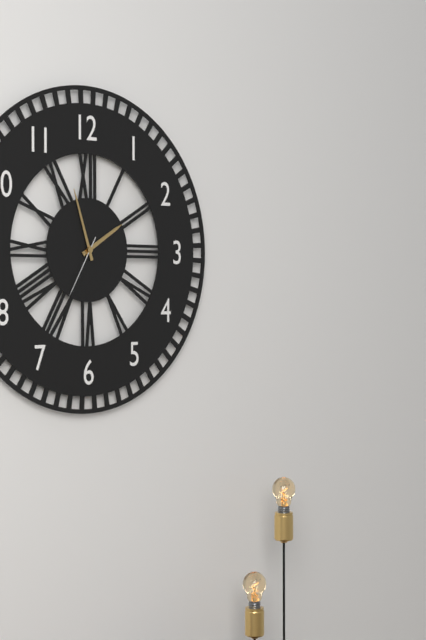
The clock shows 1 h 57 min 35 s
